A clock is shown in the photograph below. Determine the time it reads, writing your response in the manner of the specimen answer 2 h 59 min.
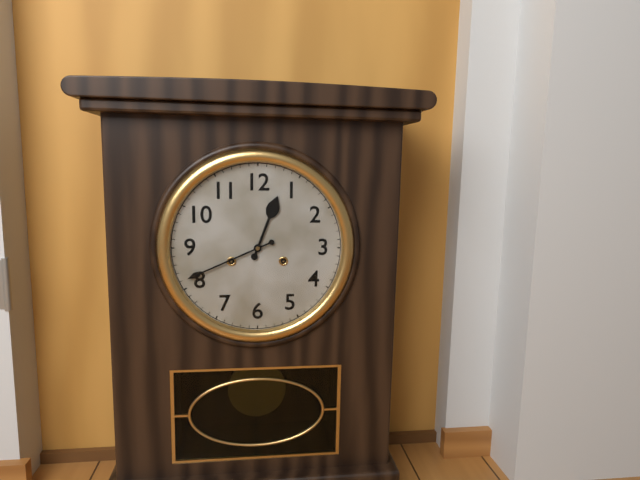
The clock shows 12 h 41 min
